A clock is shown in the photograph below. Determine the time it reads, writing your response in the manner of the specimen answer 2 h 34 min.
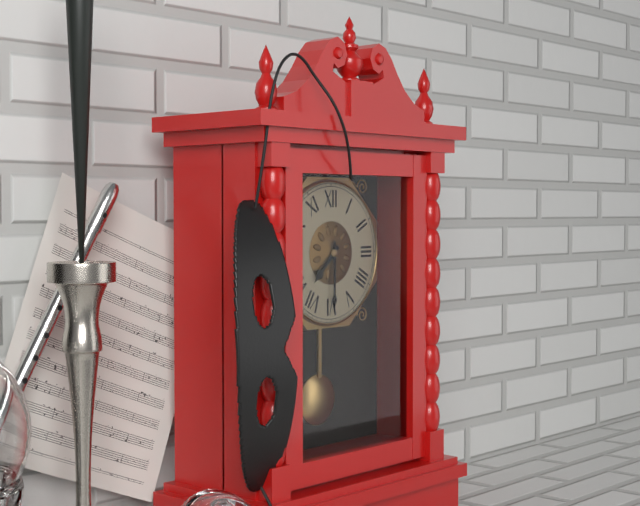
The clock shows 7 h 30 min
